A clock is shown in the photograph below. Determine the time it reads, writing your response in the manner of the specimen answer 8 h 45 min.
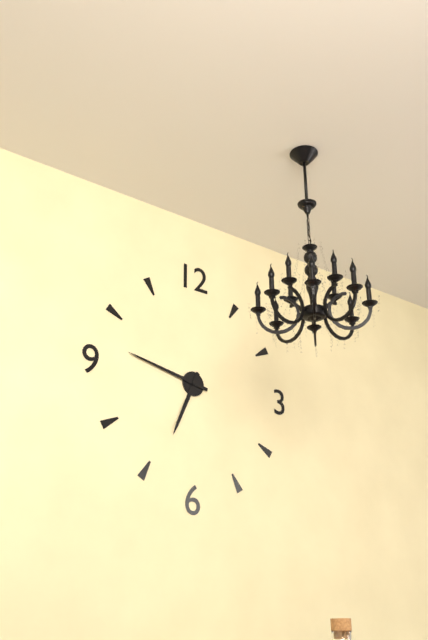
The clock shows 6 h 47 min
